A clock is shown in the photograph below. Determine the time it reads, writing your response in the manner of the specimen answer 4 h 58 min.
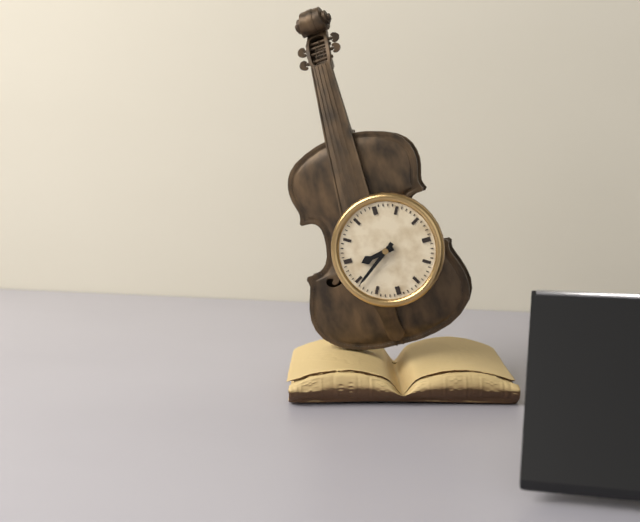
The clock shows 8 h 39 min
